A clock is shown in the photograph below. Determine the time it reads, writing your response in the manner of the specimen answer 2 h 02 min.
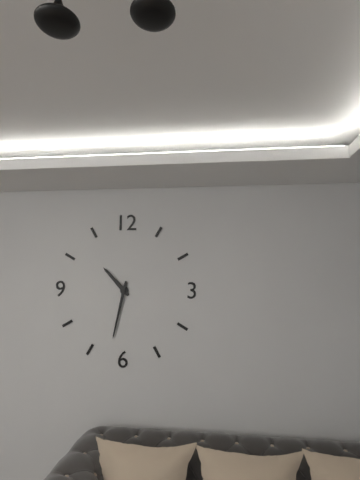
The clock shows 10 h 32 min
